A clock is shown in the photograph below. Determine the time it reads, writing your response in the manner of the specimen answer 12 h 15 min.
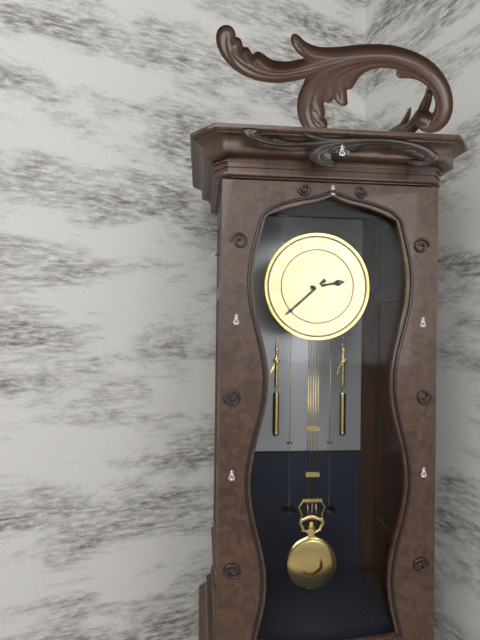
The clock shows 2 h 38 min
